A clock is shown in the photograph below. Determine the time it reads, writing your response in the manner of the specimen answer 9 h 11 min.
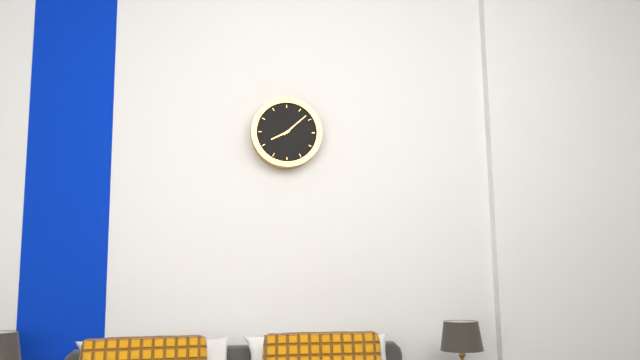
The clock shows 8 h 08 min
